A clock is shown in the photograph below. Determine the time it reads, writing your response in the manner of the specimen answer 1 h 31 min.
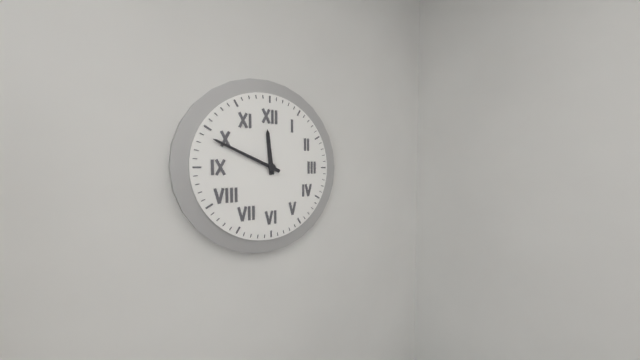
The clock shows 11 h 49 min
